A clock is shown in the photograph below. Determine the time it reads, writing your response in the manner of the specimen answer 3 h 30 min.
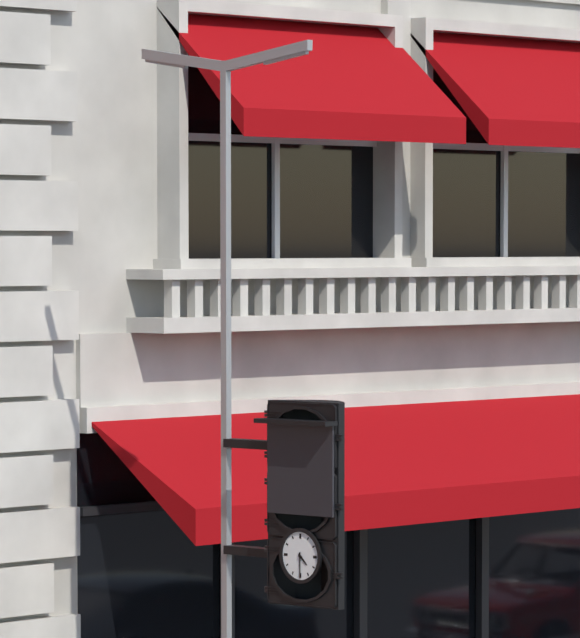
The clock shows 4 h 30 min
